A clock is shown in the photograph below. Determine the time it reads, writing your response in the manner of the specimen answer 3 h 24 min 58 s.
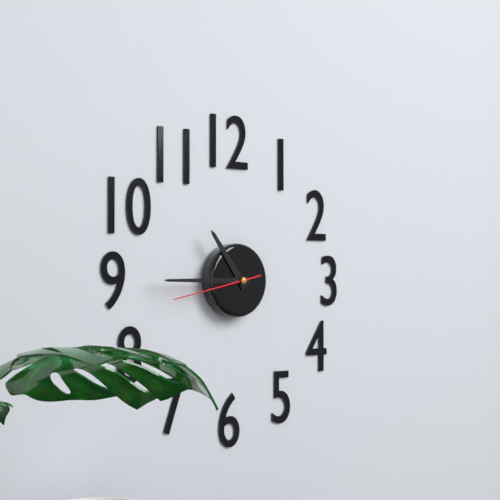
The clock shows 10 h 45 min 43 s
